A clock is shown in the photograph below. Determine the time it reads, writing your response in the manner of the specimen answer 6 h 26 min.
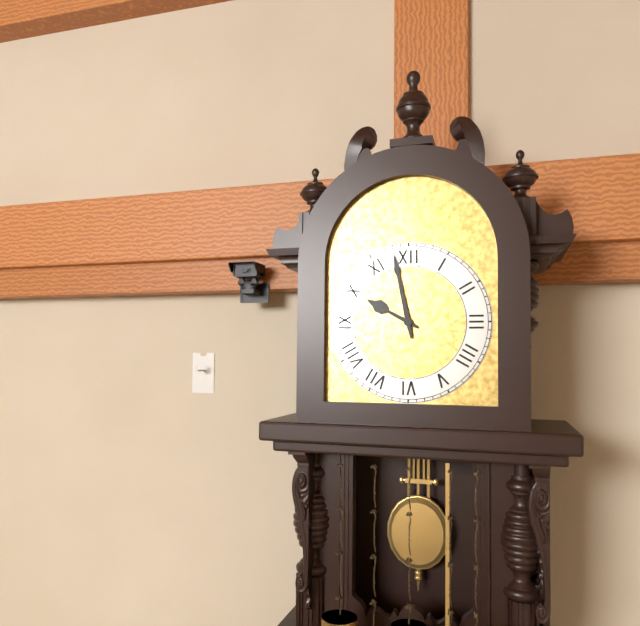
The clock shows 9 h 58 min
